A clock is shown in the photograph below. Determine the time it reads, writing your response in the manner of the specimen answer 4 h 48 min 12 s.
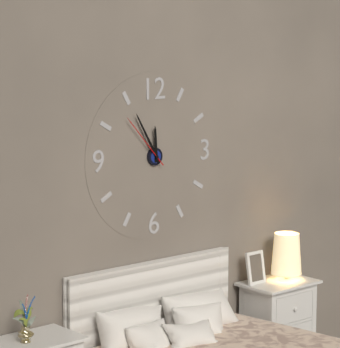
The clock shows 11 h 55 min 53 s
